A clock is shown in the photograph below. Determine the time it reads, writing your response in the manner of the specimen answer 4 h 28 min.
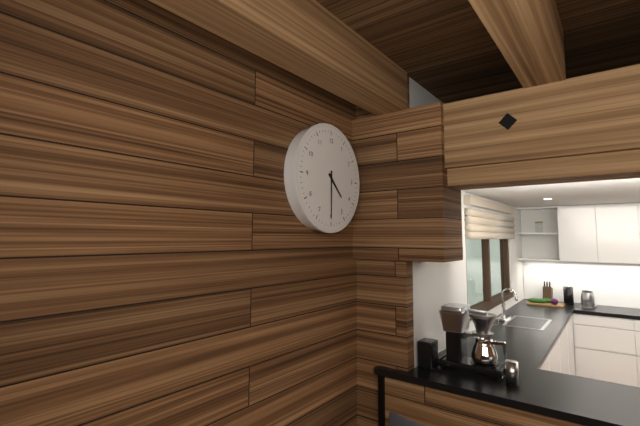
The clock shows 4 h 30 min
